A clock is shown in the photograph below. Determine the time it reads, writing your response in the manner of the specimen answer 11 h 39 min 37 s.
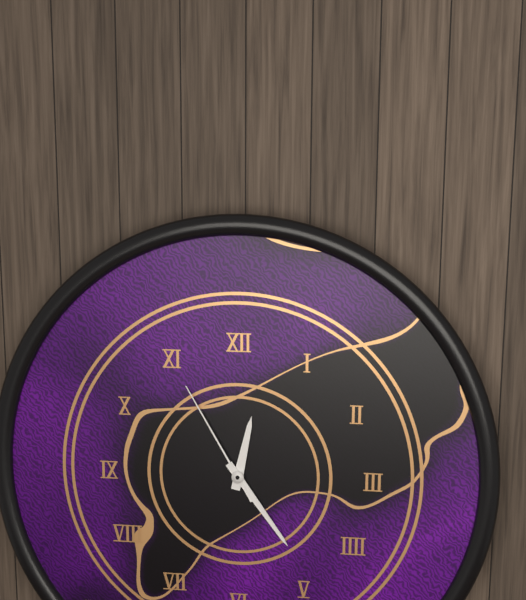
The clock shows 12 h 24 min 55 s
